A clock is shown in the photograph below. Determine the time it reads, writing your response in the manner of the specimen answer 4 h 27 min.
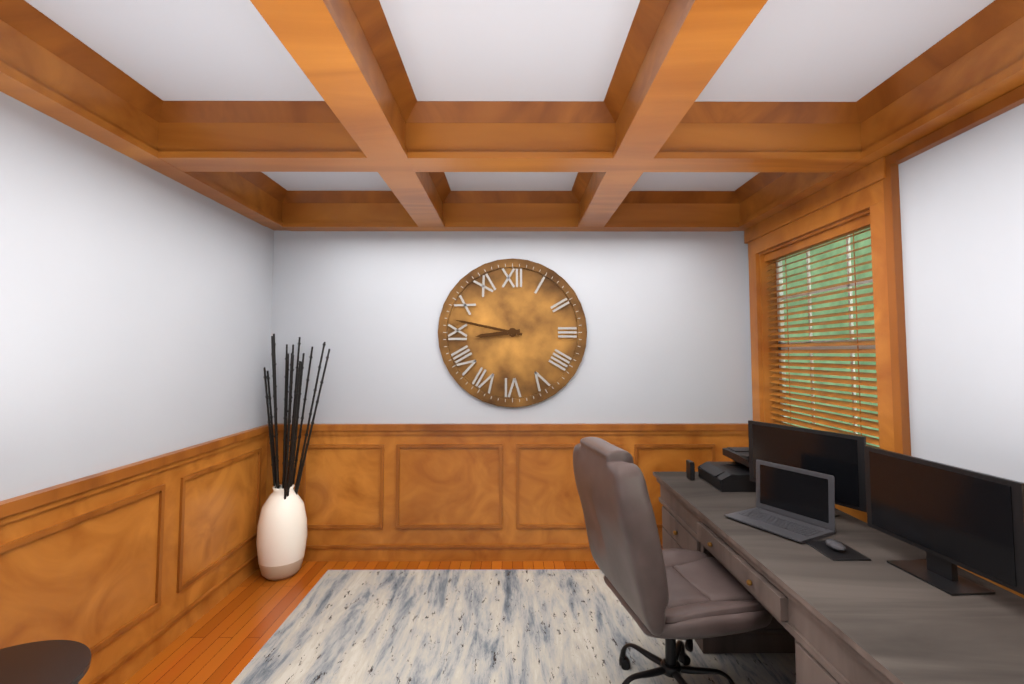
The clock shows 8 h 47 min
